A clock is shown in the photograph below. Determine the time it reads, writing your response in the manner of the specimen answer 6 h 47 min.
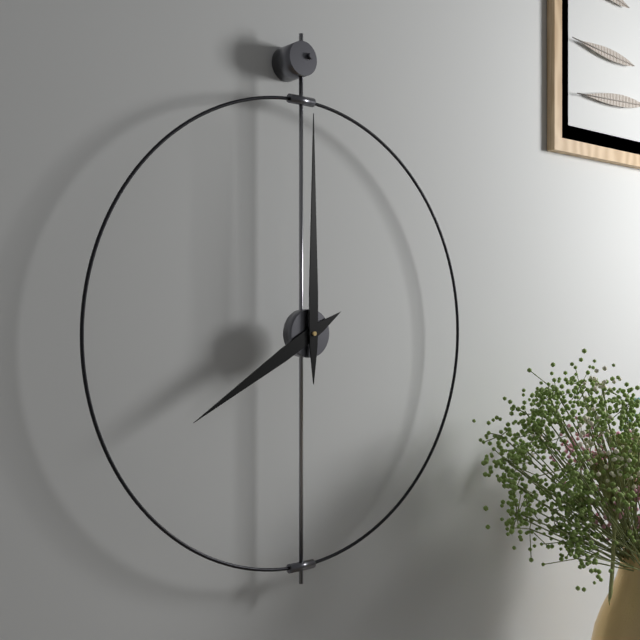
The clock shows 8 h 00 min
